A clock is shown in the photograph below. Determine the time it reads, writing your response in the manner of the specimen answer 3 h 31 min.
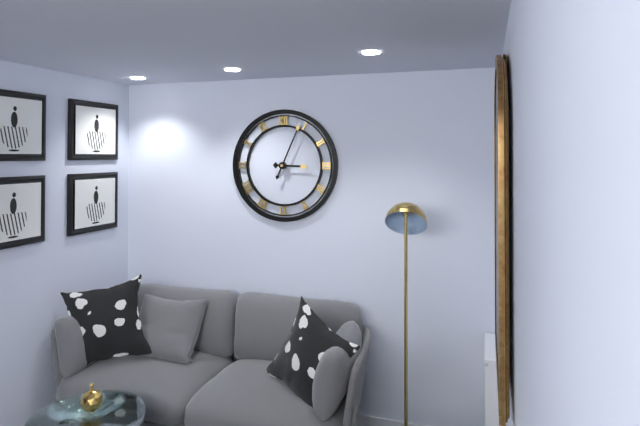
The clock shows 3 h 04 min
